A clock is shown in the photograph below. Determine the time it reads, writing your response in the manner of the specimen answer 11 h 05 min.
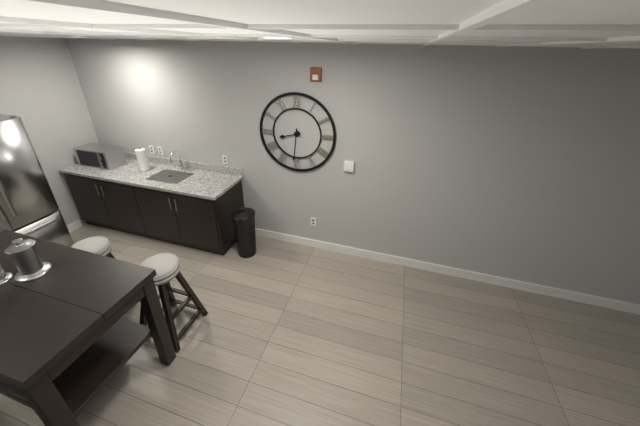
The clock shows 8 h 31 min
